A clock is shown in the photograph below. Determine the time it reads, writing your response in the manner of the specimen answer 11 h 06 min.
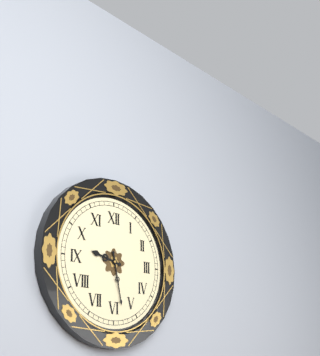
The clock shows 9 h 28 min
